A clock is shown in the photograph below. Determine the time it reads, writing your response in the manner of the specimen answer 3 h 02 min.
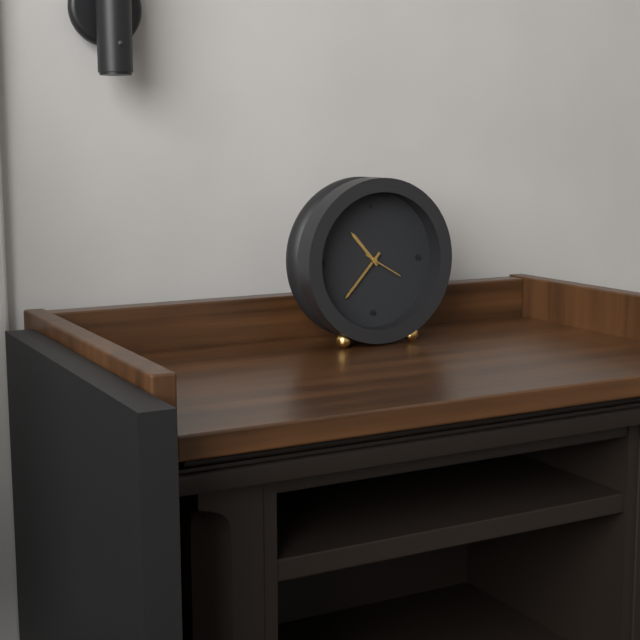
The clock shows 10 h 37 min
